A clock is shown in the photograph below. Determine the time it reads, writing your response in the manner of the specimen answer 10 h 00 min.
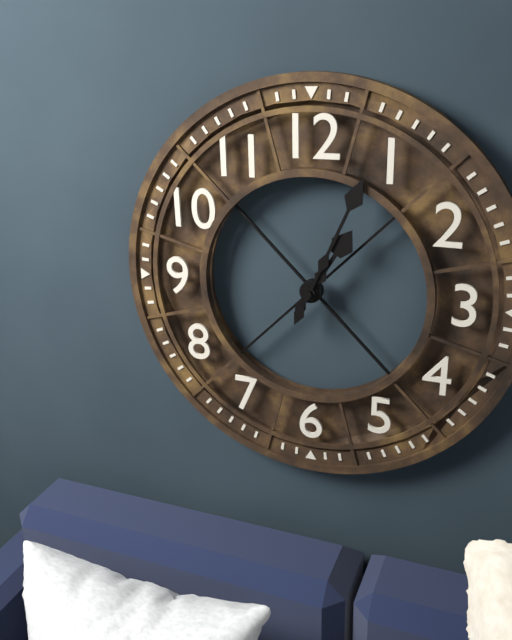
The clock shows 1 h 04 min
